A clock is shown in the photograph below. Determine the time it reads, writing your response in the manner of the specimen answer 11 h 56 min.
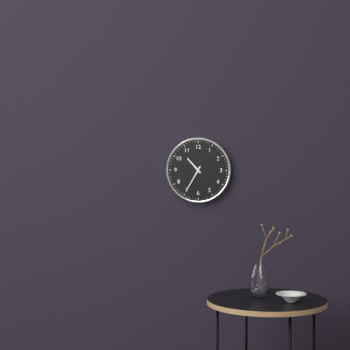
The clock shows 10 h 35 min
